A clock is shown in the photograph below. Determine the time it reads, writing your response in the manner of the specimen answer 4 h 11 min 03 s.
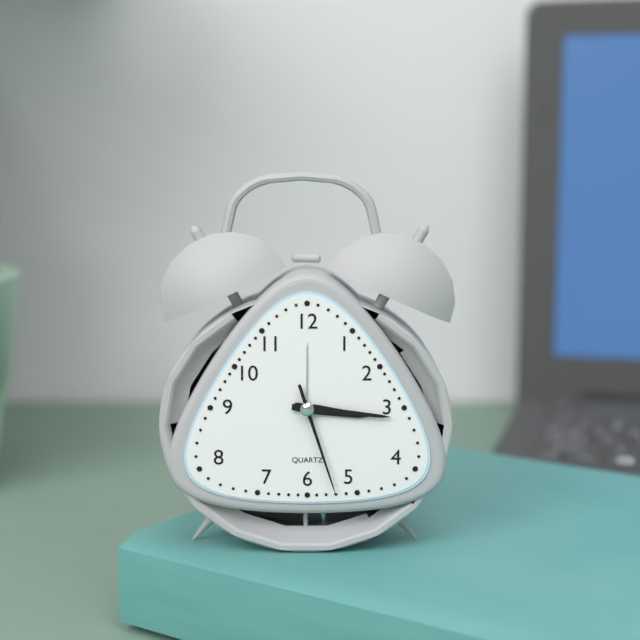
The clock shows 3 h 16 min 27 s
